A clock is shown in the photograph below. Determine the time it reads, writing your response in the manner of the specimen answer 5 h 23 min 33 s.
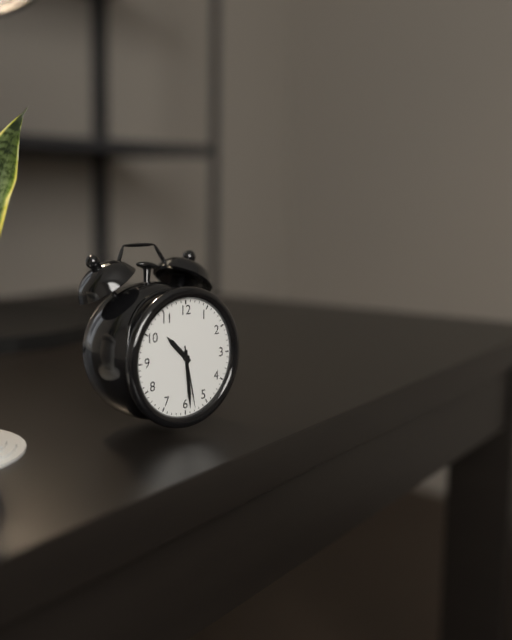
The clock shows 10 h 29 min 28 s
